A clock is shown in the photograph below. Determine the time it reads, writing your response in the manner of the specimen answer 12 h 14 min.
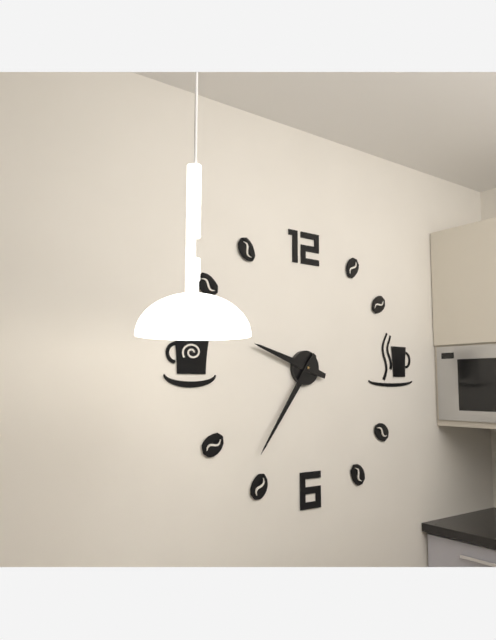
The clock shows 9 h 36 min
